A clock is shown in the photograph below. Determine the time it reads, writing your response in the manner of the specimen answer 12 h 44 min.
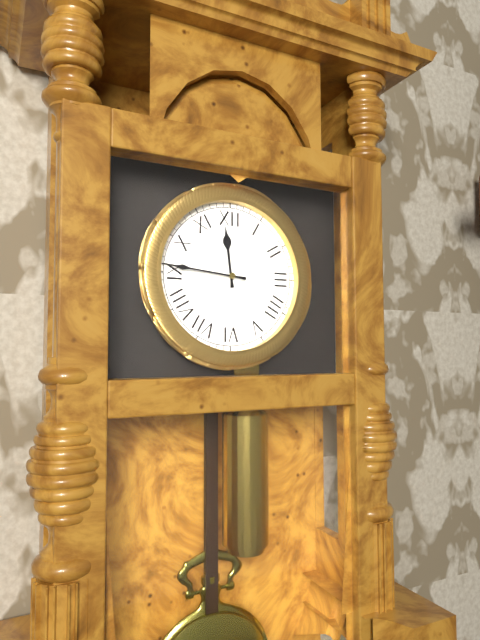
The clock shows 11 h 46 min
